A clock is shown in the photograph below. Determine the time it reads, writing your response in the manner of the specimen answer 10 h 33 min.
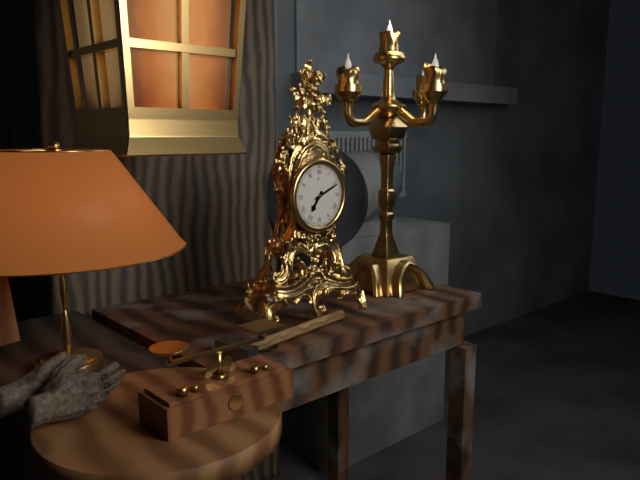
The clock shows 7 h 11 min
